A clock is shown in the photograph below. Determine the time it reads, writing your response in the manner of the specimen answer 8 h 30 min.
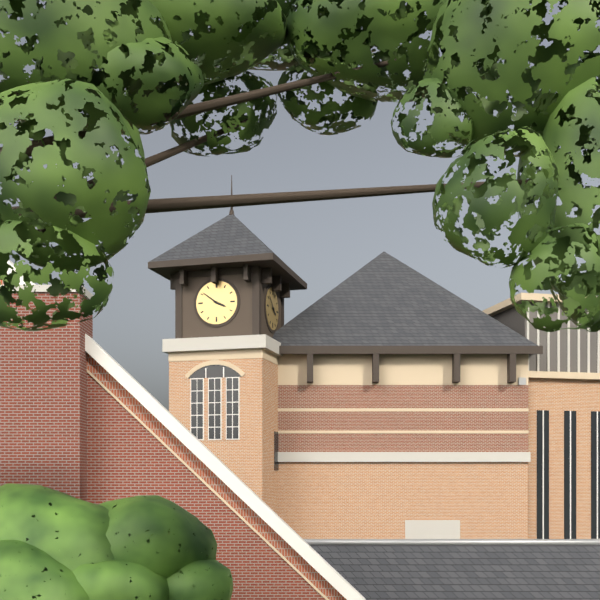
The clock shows 3 h 51 min
